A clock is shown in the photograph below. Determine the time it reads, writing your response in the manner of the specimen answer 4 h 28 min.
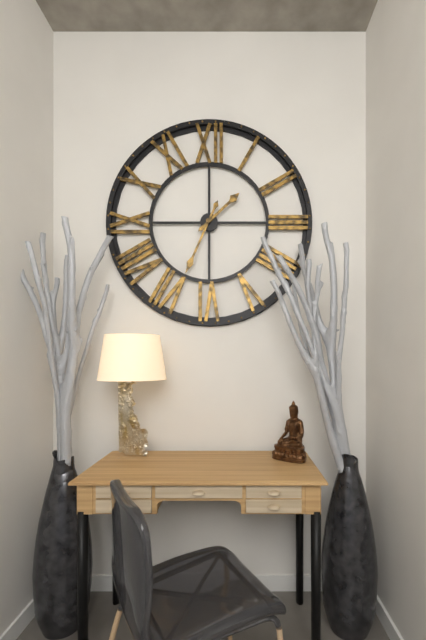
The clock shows 1 h 34 min
